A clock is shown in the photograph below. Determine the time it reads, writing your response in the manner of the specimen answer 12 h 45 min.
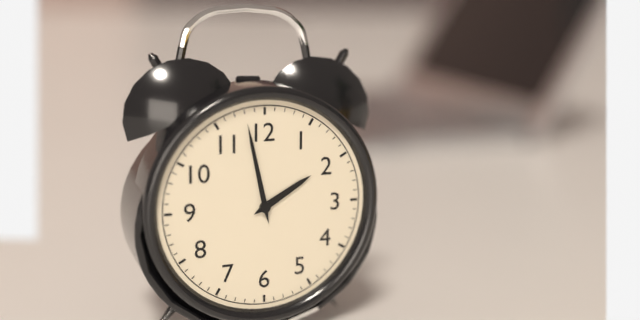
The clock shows 1 h 58 min
